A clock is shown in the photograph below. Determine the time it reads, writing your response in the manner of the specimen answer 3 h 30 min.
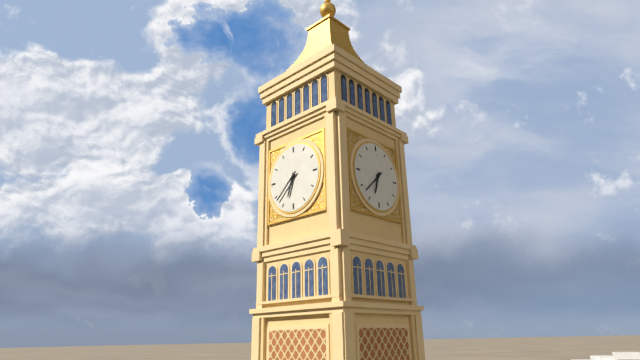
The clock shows 6 h 38 min
